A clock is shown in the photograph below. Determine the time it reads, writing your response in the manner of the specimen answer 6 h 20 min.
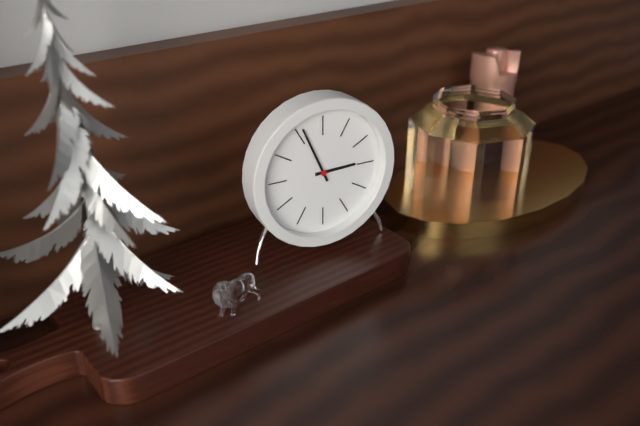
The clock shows 2 h 56 min
